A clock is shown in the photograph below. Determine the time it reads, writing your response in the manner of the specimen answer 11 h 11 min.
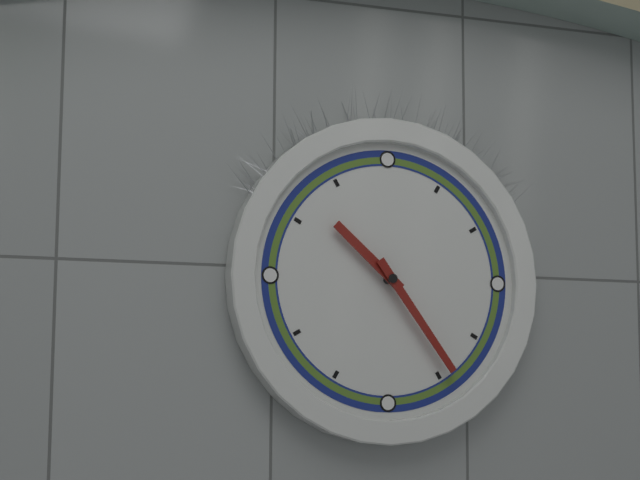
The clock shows 10 h 24 min
